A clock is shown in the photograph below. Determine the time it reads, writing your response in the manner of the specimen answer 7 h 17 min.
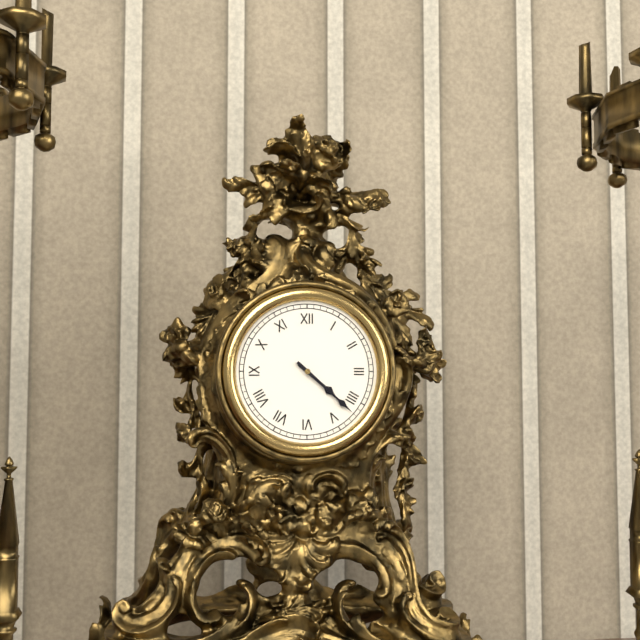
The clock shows 4 h 22 min
